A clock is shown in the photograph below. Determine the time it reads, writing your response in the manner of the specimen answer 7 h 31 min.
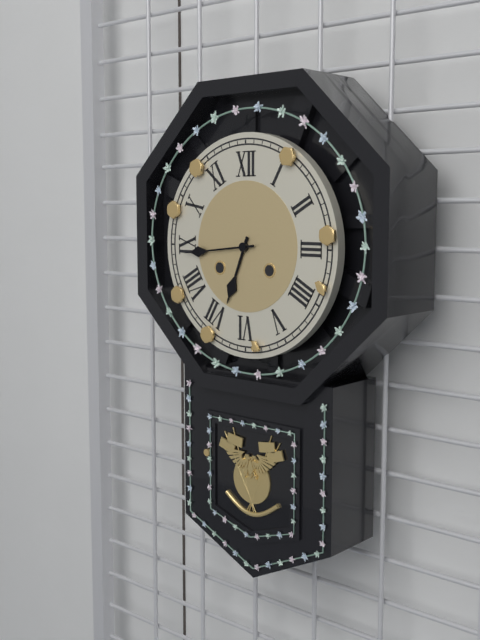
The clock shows 6 h 44 min
